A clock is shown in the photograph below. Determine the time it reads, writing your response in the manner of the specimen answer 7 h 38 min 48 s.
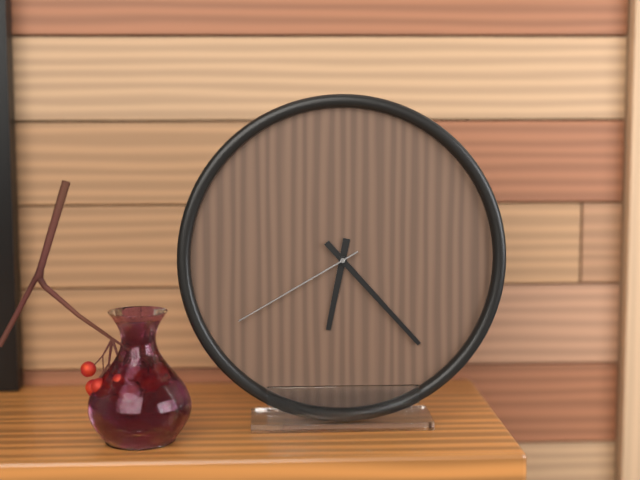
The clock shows 6 h 23 min 40 s
